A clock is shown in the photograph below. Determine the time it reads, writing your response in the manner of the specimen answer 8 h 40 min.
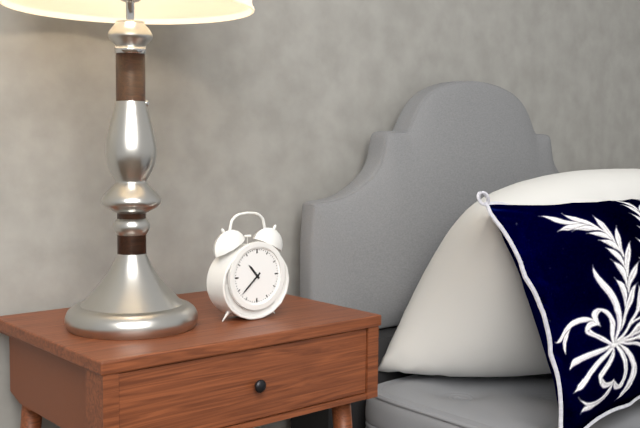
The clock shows 10 h 38 min
